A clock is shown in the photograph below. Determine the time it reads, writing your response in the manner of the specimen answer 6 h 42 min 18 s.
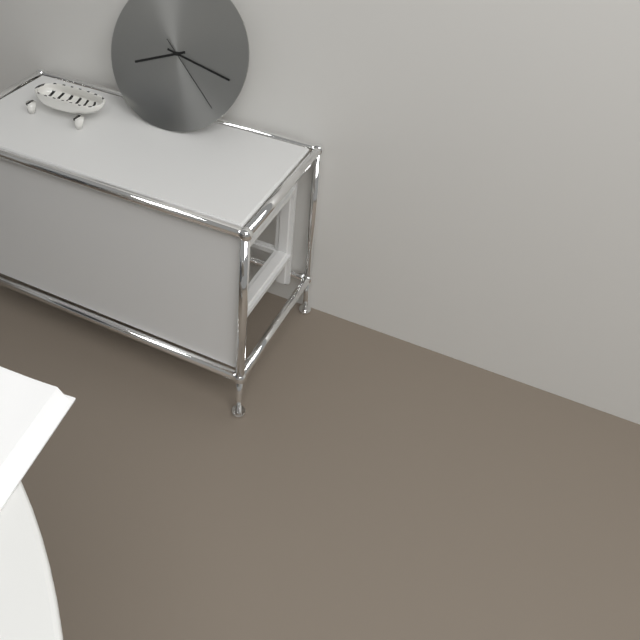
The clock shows 8 h 17 min 22 s
